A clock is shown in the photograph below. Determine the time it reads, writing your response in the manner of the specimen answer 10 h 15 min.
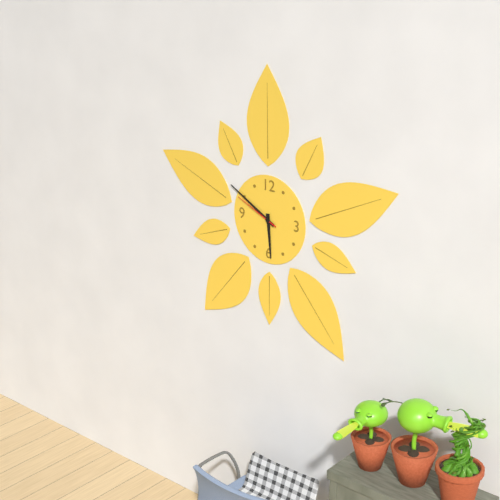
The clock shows 5 h 50 min
